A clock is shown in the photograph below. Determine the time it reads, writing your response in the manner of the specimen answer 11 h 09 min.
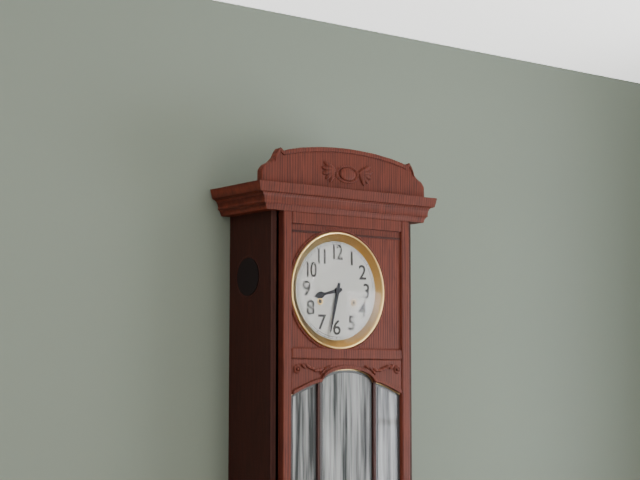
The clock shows 8 h 32 min
